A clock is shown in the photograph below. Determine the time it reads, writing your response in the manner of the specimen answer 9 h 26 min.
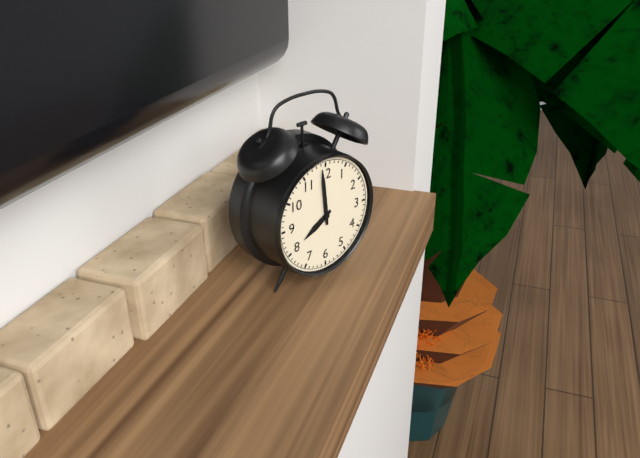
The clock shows 7 h 59 min
